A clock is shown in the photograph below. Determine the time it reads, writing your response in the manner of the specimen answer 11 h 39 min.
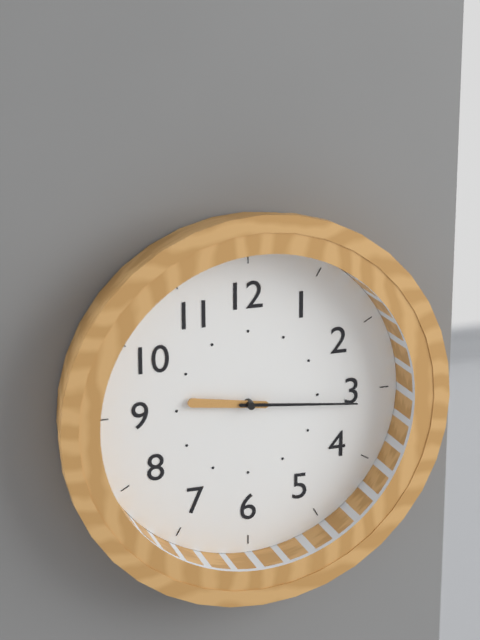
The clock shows 9 h 16 min
